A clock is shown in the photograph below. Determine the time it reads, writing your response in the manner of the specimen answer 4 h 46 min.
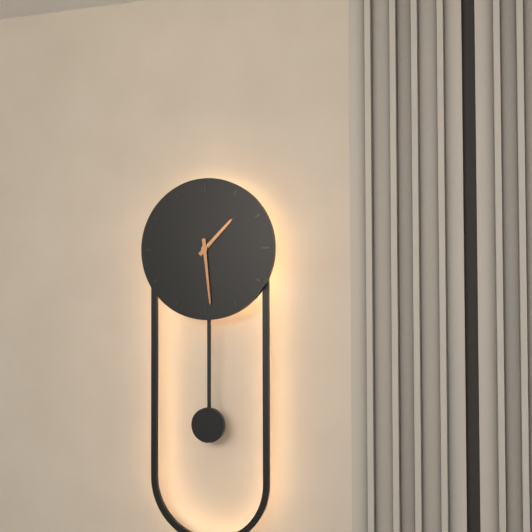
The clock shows 1 h 29 min
